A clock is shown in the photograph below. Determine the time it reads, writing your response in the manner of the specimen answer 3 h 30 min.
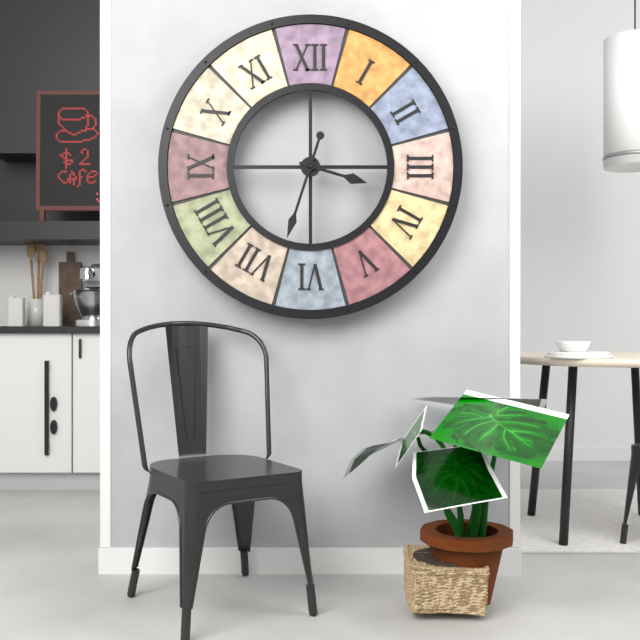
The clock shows 3 h 33 min
